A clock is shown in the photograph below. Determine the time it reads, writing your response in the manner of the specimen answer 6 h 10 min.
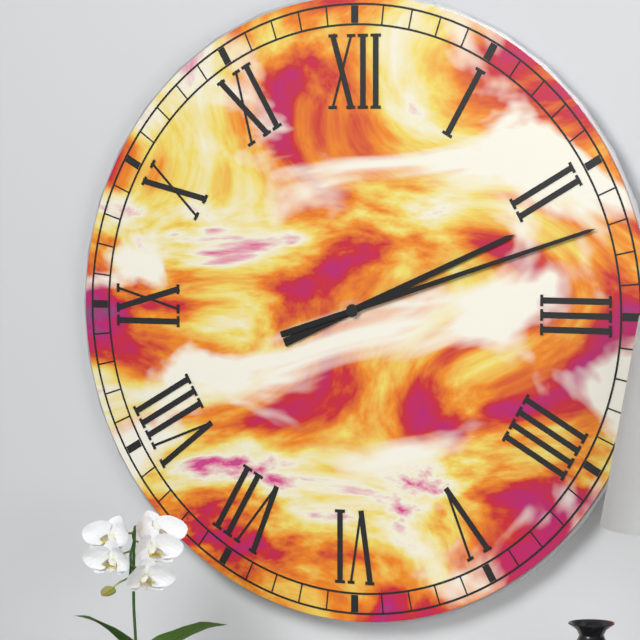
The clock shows 2 h 12 min
